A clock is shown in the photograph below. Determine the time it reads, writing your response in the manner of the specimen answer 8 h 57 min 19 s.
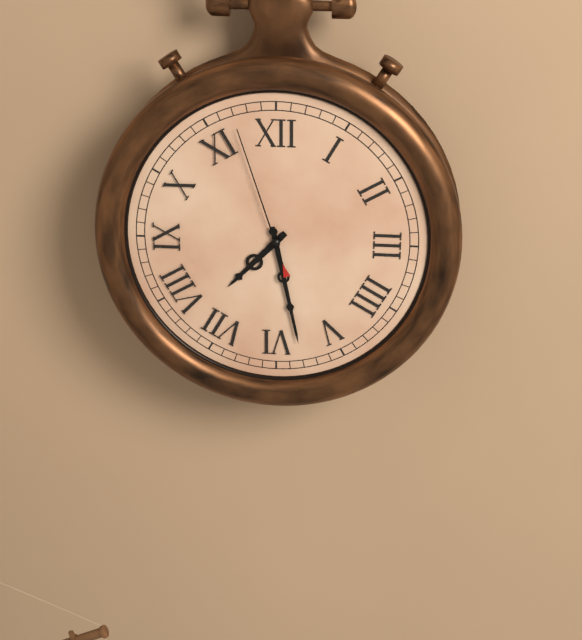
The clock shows 7 h 28 min 57 s
